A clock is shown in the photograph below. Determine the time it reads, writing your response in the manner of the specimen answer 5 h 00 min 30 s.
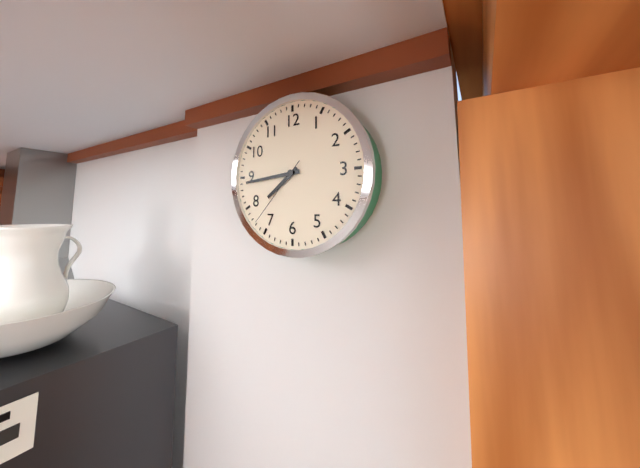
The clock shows 7 h 44 min 37 s
